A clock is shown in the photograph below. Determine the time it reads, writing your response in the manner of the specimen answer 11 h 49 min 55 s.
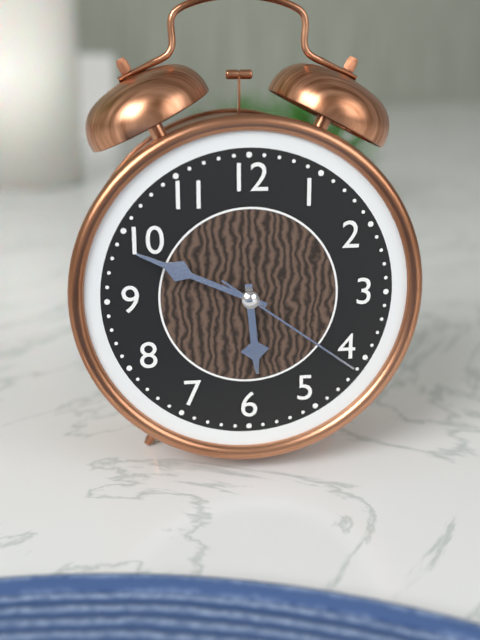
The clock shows 5 h 49 min 21 s
